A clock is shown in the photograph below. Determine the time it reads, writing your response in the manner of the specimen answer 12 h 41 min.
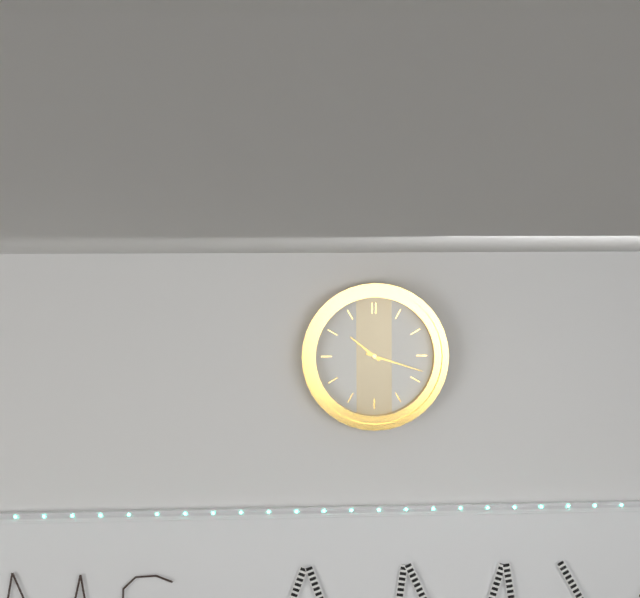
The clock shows 10 h 18 min
